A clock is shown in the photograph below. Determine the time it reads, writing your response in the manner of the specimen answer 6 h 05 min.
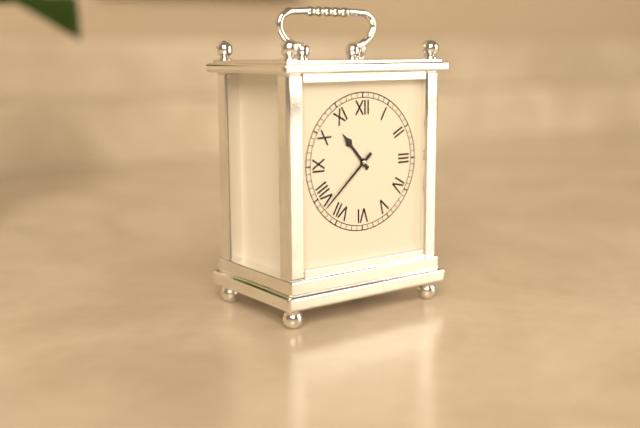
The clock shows 10 h 38 min
